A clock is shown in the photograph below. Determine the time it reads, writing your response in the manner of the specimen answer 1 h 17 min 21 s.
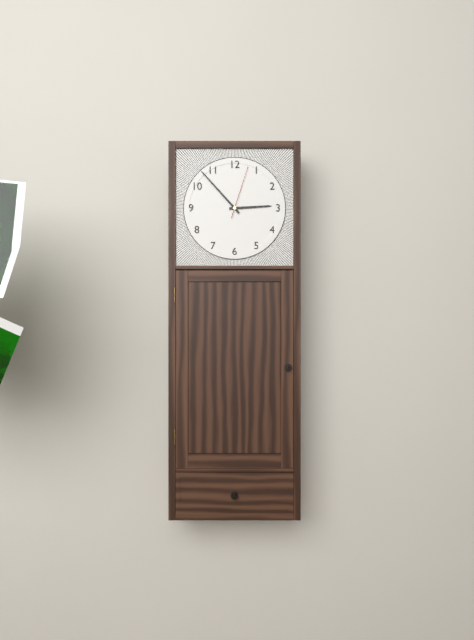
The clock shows 2 h 53 min 03 s
